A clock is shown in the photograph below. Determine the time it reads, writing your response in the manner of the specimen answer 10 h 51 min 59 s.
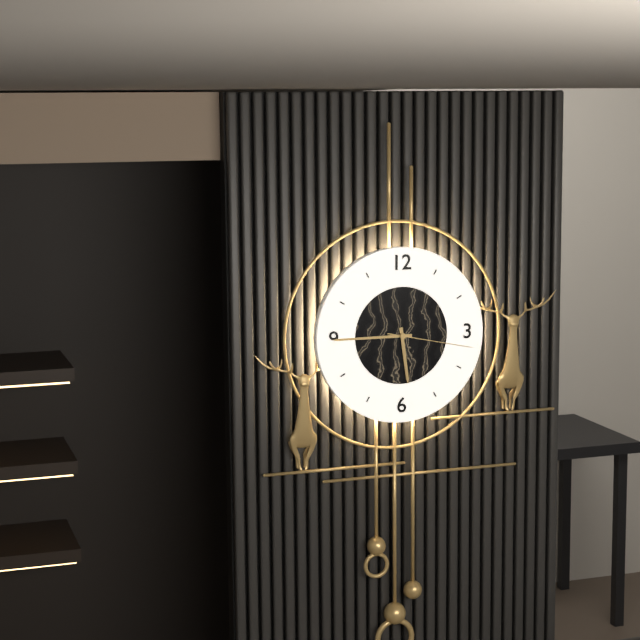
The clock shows 5 h 45 min 17 s
